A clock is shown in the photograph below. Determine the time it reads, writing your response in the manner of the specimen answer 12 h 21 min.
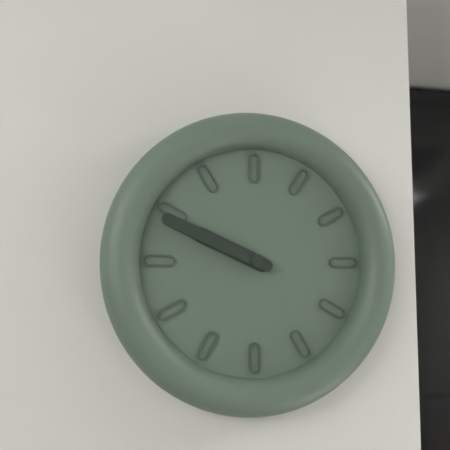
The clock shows 9 h 49 min
